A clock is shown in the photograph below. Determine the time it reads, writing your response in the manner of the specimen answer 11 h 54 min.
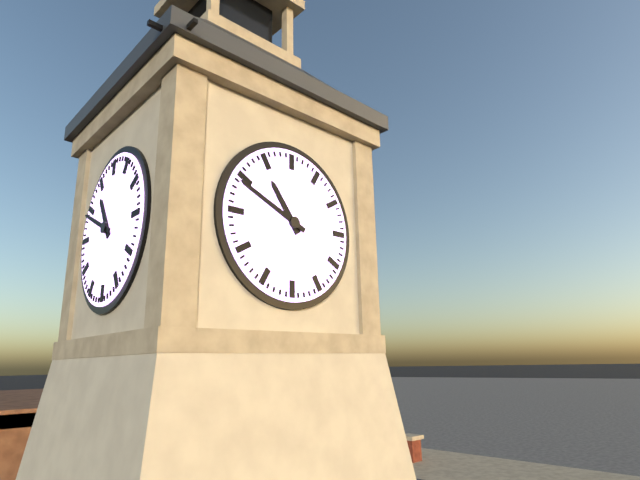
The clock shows 10 h 49 min
